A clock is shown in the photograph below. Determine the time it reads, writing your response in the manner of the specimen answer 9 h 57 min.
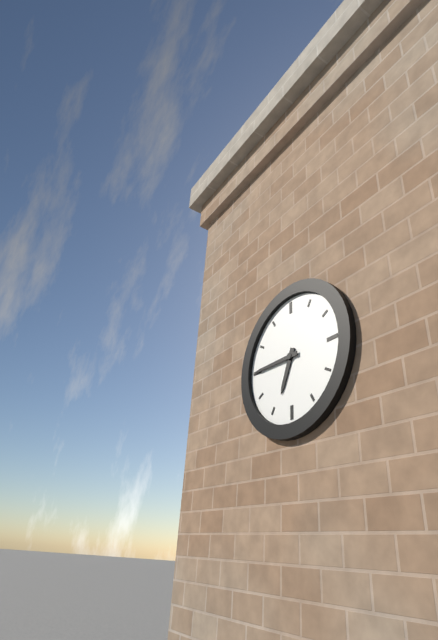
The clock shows 6 h 45 min
